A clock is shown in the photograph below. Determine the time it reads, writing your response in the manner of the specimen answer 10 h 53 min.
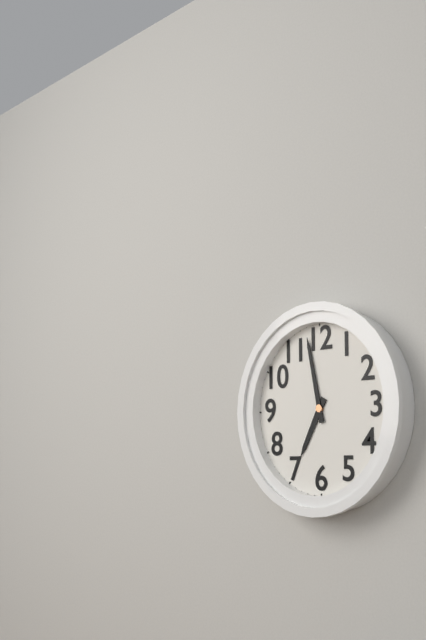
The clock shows 6 h 58 min
